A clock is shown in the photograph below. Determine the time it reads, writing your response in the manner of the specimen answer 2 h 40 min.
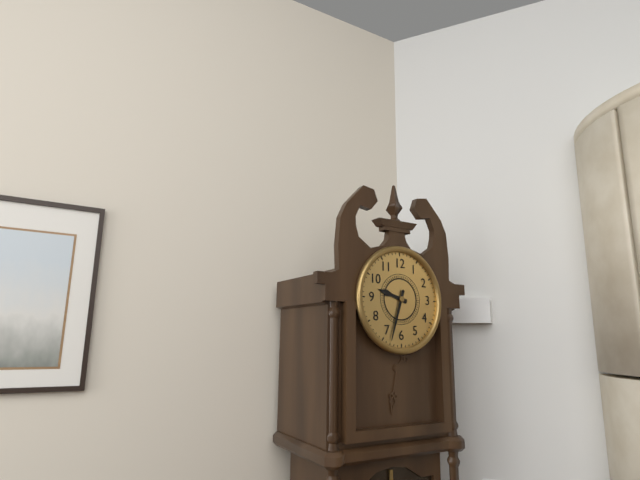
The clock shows 9 h 33 min
